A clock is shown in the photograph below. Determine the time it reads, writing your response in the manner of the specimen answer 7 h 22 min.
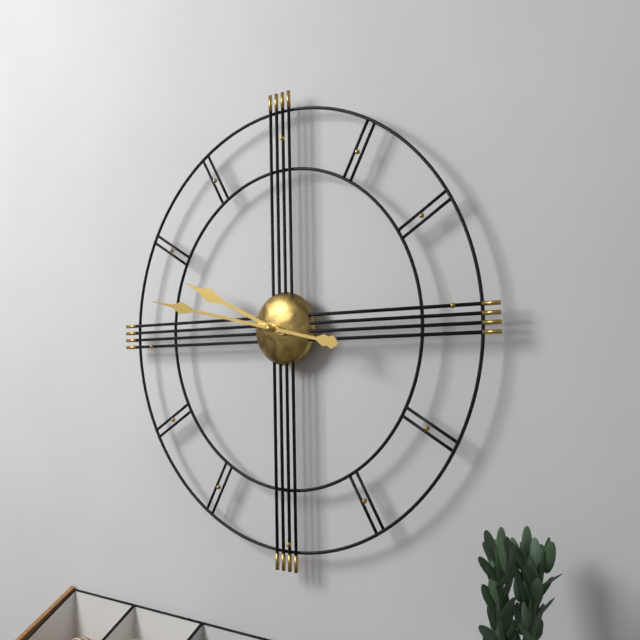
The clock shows 9 h 47 min
